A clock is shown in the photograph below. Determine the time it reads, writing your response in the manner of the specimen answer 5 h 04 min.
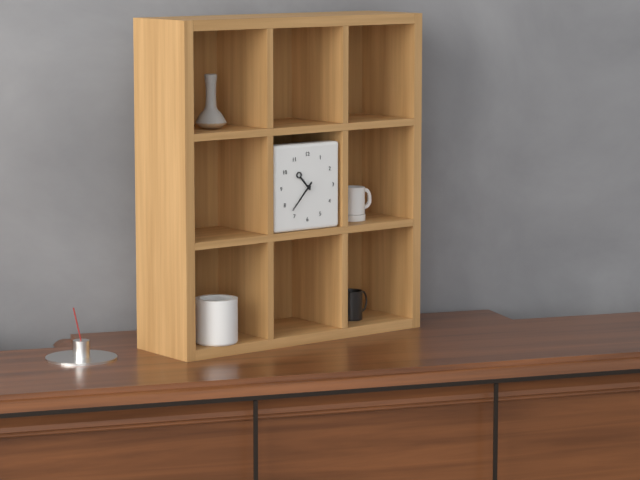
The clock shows 10 h 37 min
